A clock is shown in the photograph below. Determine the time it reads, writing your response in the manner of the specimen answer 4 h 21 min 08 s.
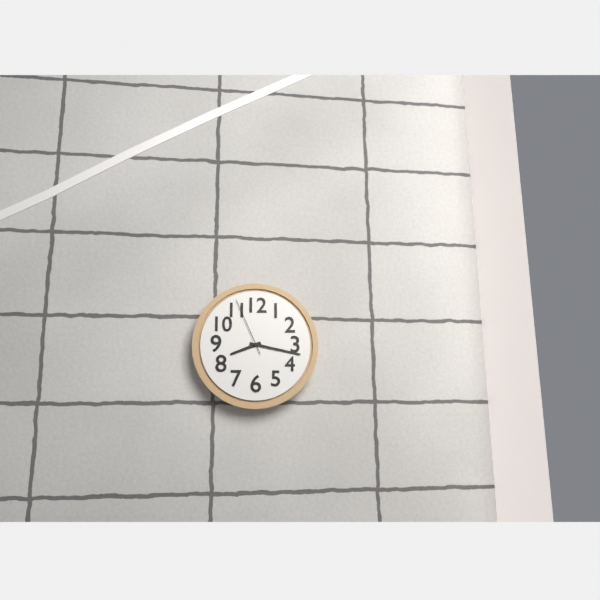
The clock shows 8 h 17 min 56 s
